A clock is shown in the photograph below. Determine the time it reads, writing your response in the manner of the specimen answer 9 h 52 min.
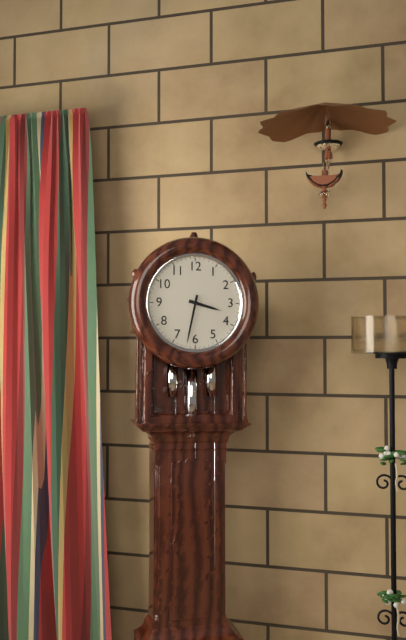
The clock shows 3 h 32 min
